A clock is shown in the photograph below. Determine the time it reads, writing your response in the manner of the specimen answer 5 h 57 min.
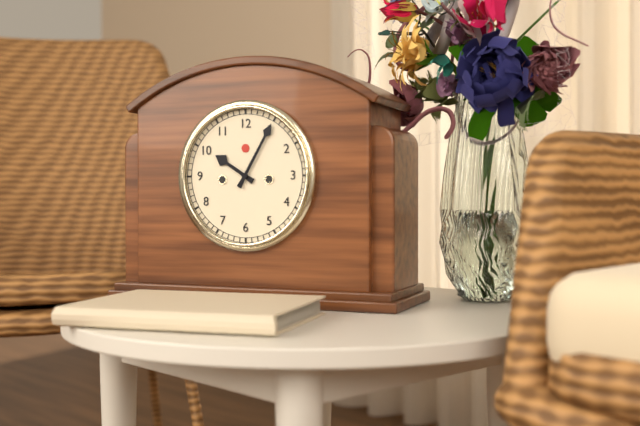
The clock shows 10 h 05 min
